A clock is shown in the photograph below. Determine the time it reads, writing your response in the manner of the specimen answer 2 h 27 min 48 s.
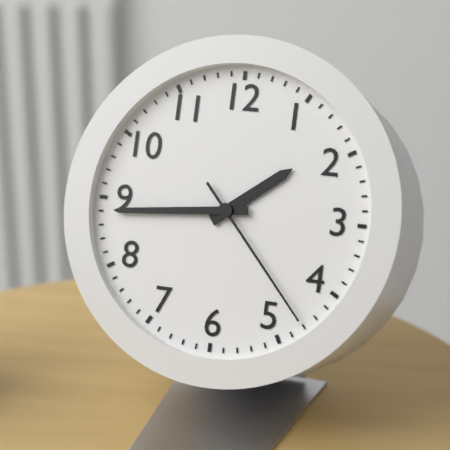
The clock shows 1 h 44 min 23 s
